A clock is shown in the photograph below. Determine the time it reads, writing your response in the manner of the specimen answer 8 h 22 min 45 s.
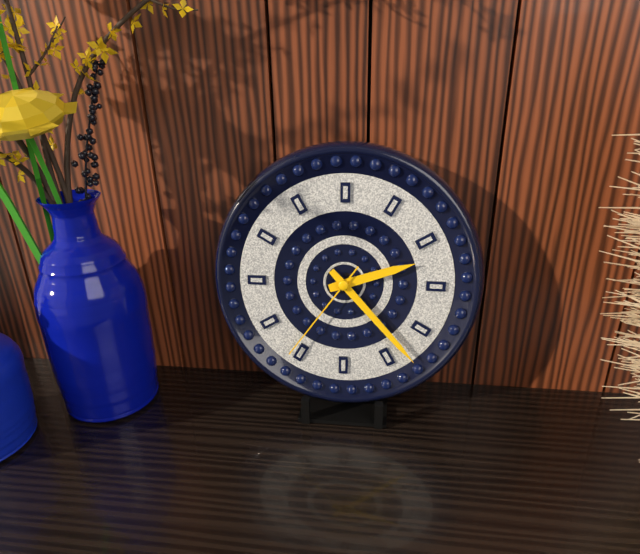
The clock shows 2 h 23 min 36 s
